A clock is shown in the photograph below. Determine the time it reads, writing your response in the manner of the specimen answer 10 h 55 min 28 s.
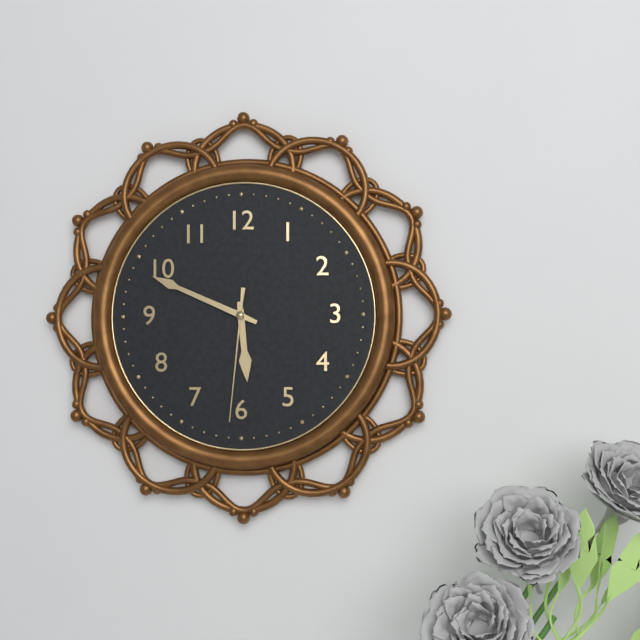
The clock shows 5 h 49 min 31 s
